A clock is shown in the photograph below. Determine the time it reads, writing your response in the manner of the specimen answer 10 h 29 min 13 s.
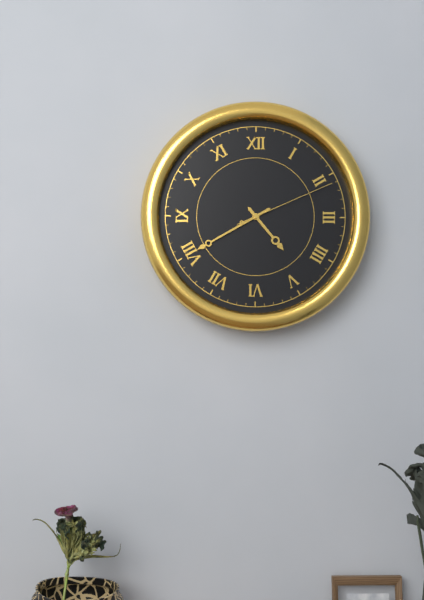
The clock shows 4 h 40 min 11 s
